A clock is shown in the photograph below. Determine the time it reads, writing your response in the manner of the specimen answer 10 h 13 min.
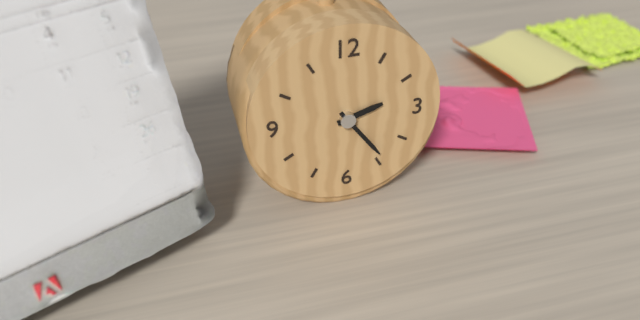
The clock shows 2 h 24 min
